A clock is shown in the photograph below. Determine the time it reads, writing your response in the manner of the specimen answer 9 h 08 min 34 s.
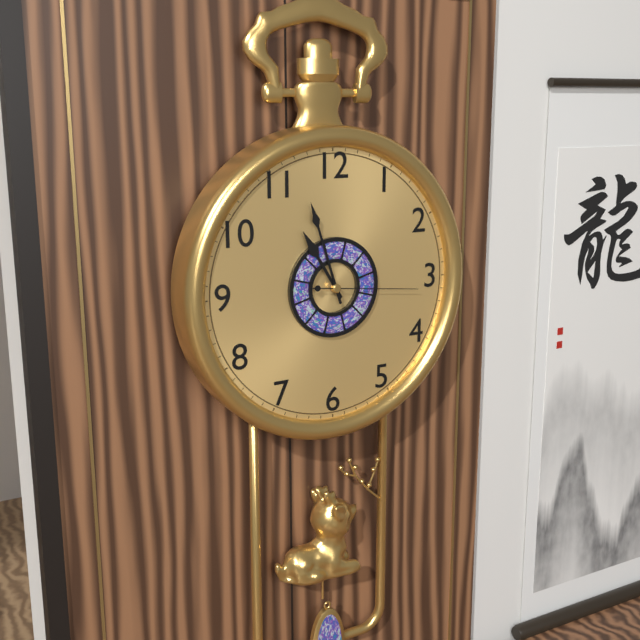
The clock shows 10 h 57 min 16 s
